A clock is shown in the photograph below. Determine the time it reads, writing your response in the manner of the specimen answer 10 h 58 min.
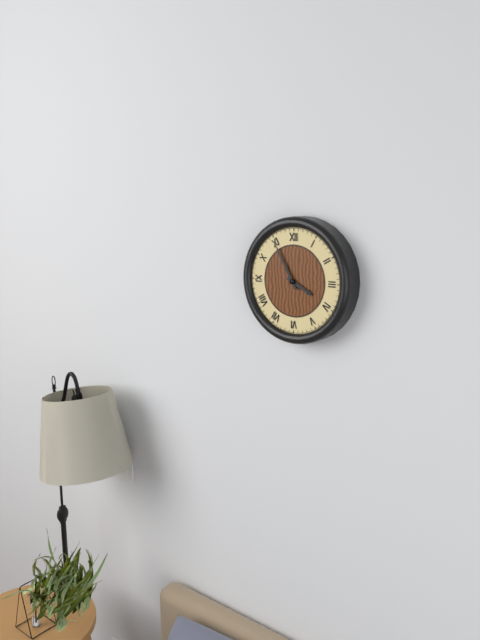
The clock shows 3 h 55 min
